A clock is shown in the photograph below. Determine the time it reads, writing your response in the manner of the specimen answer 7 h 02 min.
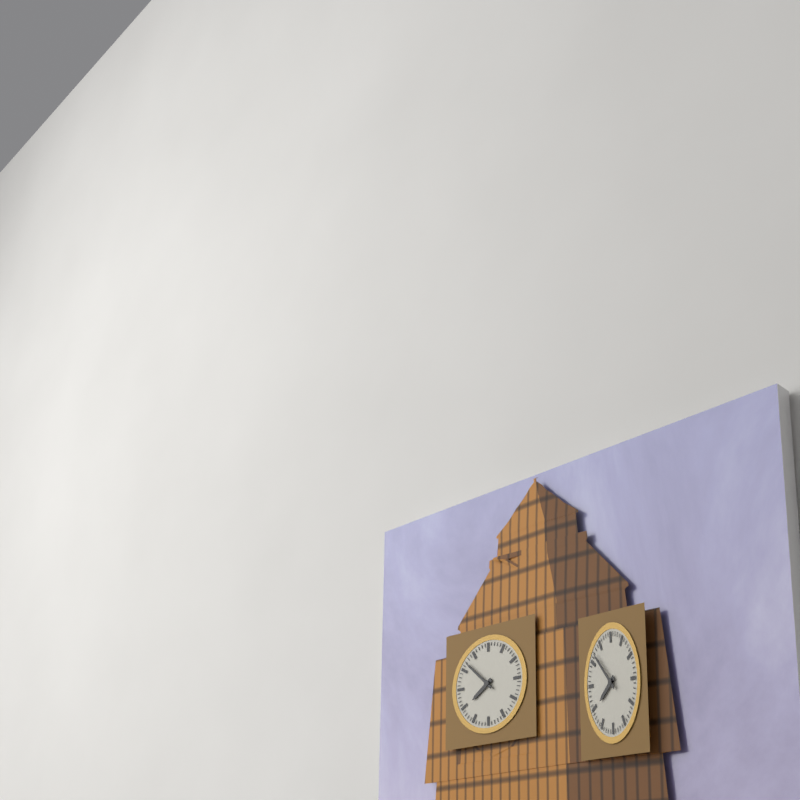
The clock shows 7 h 52 min
